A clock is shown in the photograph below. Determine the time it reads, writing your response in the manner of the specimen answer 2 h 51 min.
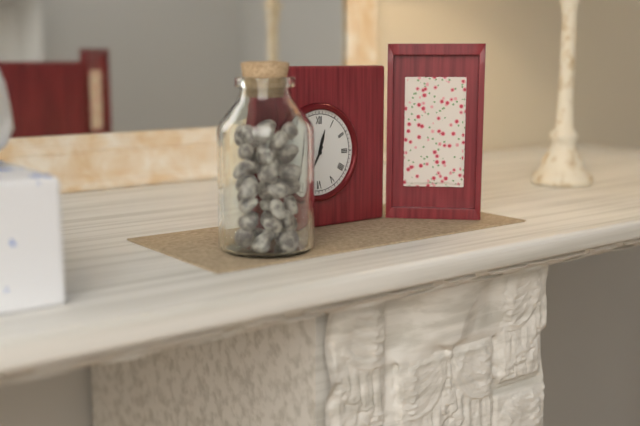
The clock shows 12 h 35 min
